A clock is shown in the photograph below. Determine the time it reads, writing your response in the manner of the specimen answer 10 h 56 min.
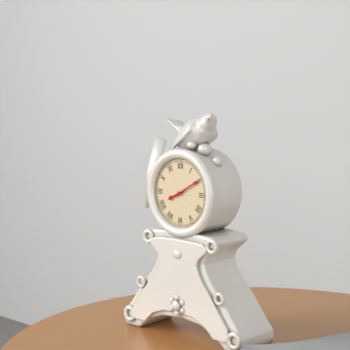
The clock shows 8 h 10 min
